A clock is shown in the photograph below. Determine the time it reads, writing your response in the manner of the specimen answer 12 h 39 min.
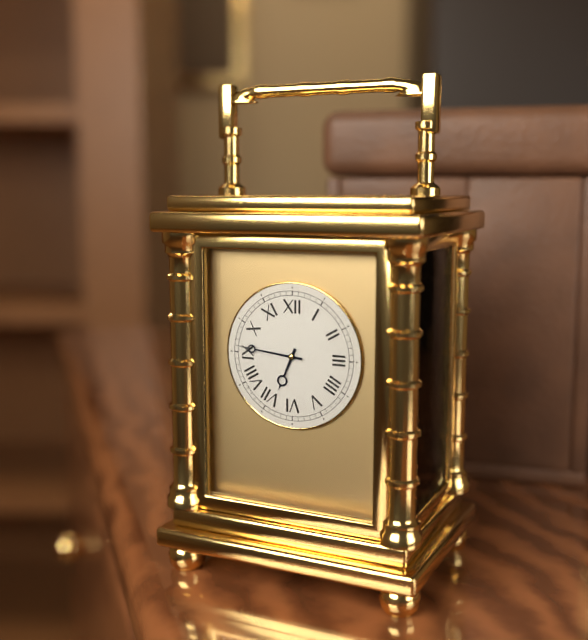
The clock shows 6 h 46 min
